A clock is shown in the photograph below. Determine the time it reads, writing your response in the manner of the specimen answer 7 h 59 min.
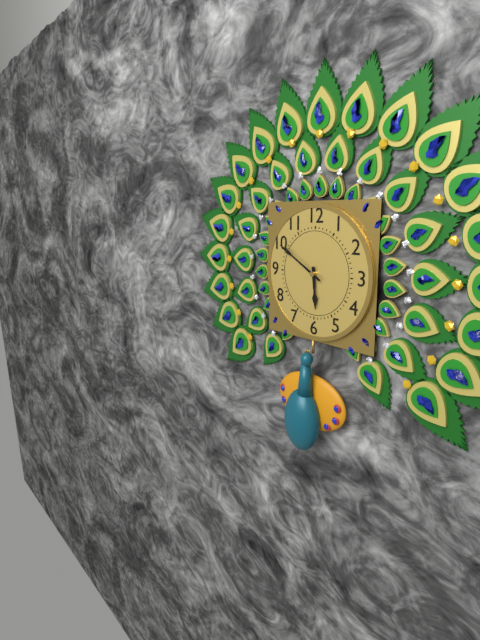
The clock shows 5 h 50 min
